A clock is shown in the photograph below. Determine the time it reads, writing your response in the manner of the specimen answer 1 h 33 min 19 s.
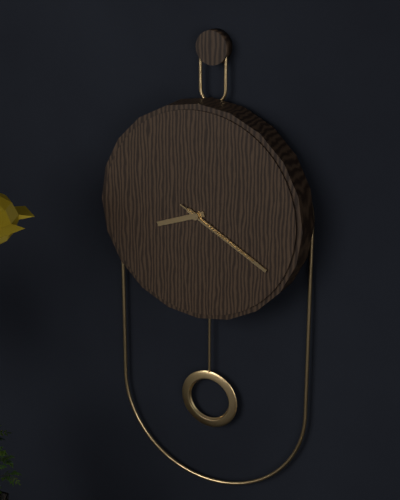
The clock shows 8 h 20 min 20 s
